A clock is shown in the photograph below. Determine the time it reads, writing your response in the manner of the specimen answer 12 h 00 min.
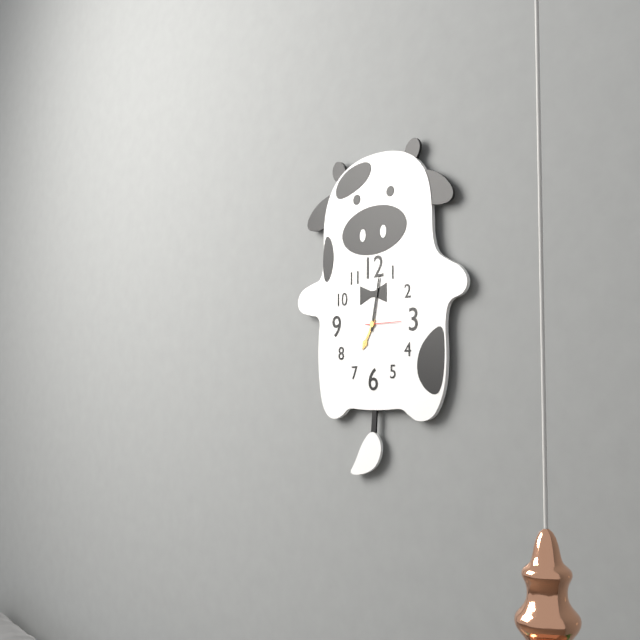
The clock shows 7 h 02 min
